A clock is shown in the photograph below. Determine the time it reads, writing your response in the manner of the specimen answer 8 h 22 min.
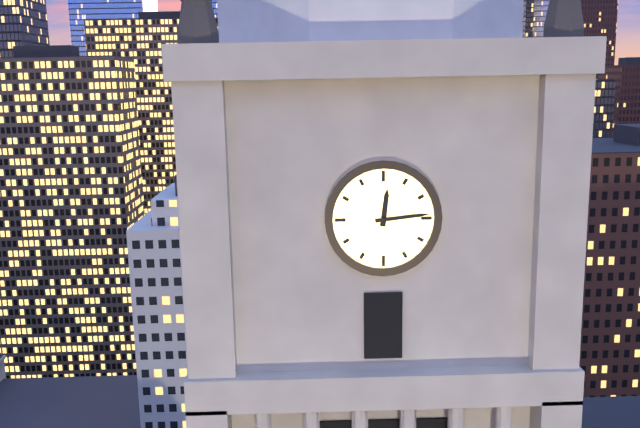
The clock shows 12 h 14 min
